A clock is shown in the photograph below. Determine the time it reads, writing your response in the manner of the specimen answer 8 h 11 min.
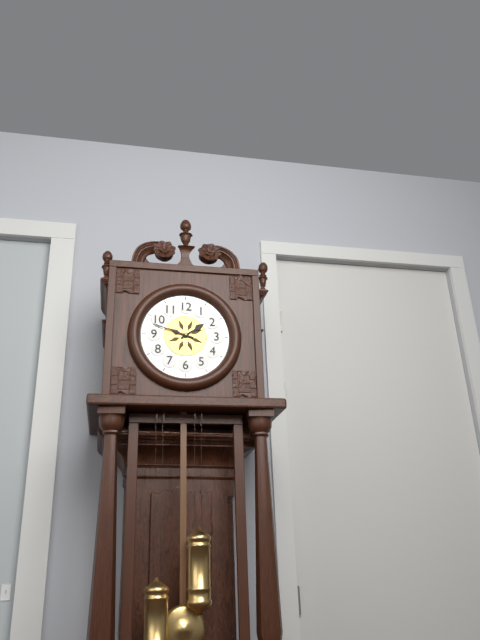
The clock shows 1 h 48 min
